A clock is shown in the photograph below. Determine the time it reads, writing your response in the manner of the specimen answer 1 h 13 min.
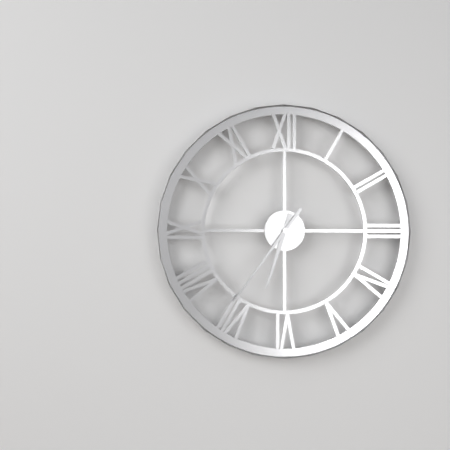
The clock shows 6 h 36 min
